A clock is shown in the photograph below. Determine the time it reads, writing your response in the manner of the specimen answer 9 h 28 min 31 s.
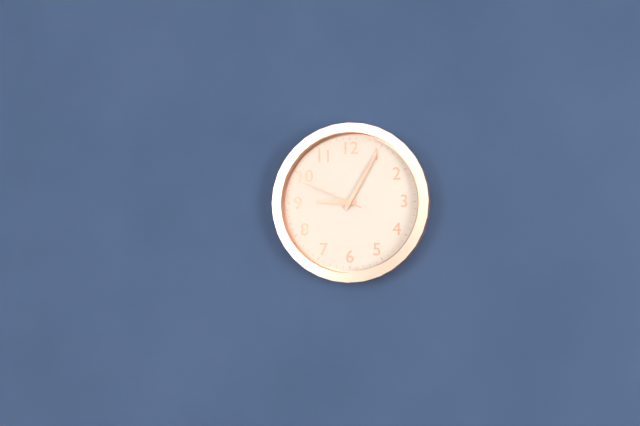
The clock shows 9 h 05 min 49 s
